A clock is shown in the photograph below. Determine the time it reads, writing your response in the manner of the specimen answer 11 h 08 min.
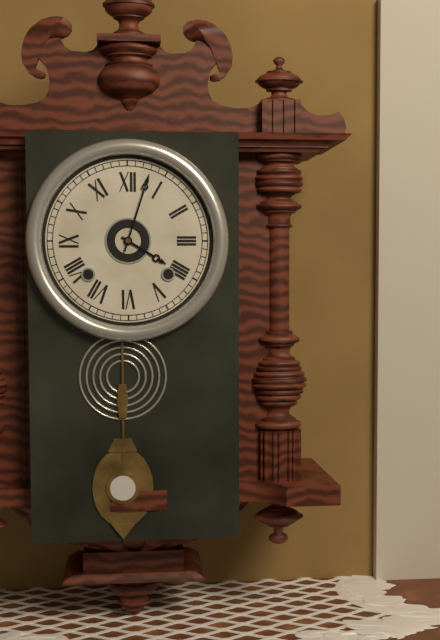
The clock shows 4 h 03 min
